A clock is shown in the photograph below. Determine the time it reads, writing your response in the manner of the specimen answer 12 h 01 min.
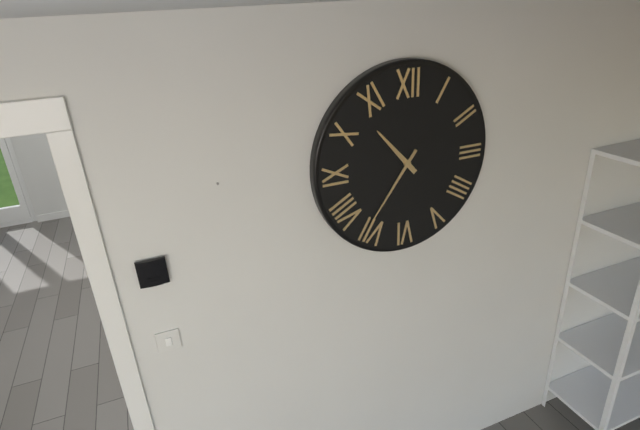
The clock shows 10 h 36 min
